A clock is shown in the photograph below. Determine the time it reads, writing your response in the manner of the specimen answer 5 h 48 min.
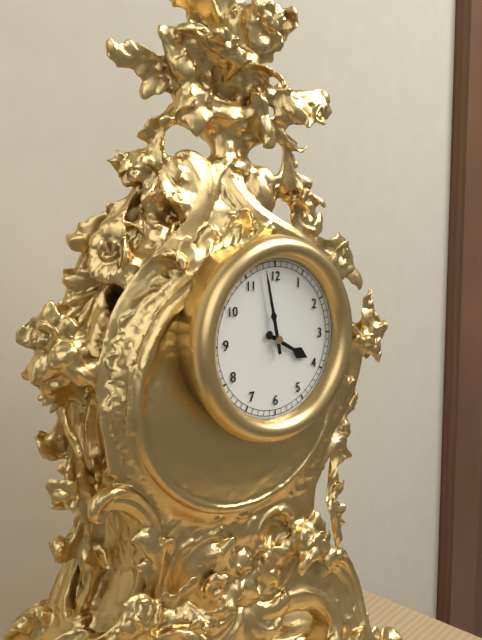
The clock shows 3 h 58 min
